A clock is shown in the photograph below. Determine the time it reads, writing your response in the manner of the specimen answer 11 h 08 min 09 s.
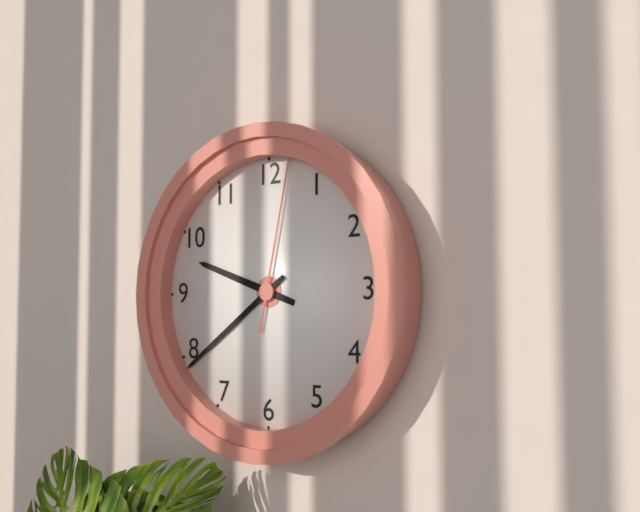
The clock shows 9 h 39 min 02 s
